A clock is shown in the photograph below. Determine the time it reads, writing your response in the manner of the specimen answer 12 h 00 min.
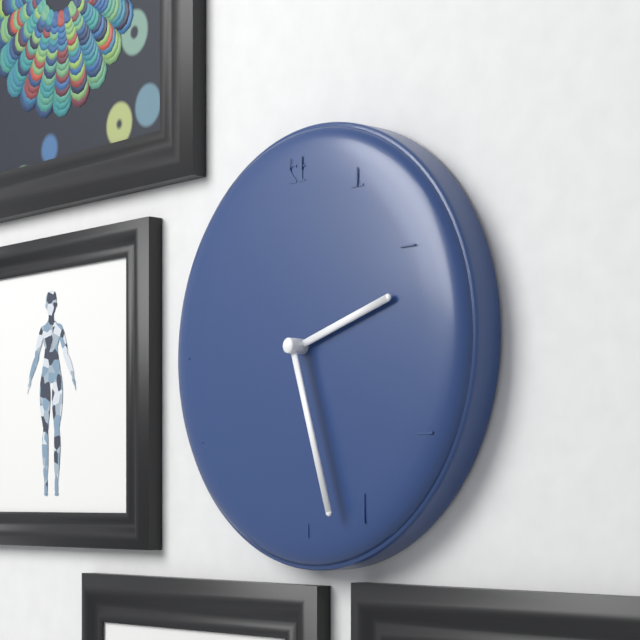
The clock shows 2 h 27 min
